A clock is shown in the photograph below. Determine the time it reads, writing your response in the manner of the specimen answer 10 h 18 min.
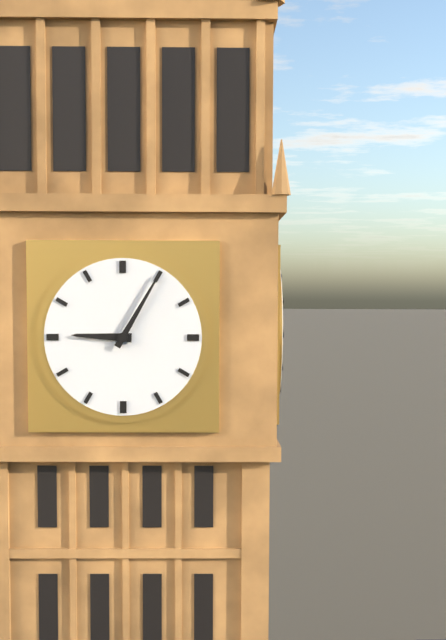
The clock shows 9 h 05 min
